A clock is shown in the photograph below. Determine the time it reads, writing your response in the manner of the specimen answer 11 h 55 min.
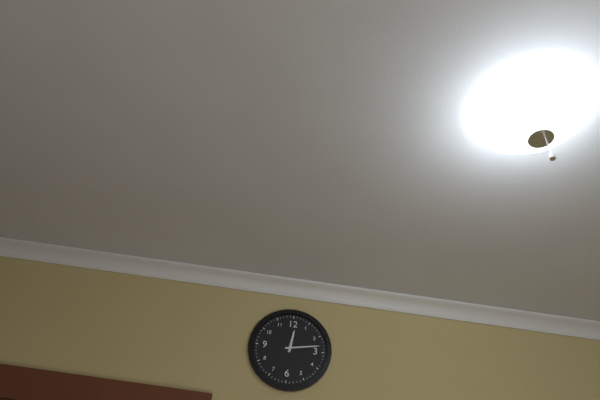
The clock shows 12 h 13 min
